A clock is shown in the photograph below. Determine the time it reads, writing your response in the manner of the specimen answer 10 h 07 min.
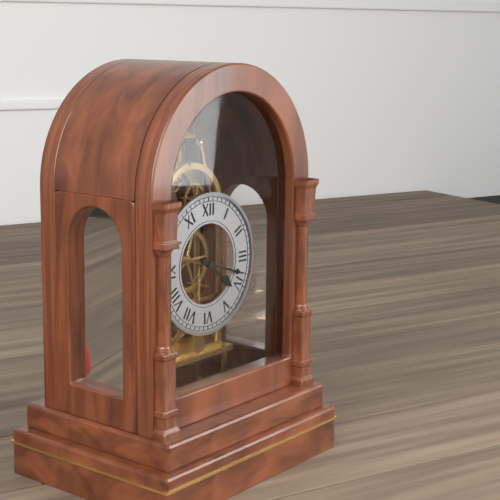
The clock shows 4 h 18 min
